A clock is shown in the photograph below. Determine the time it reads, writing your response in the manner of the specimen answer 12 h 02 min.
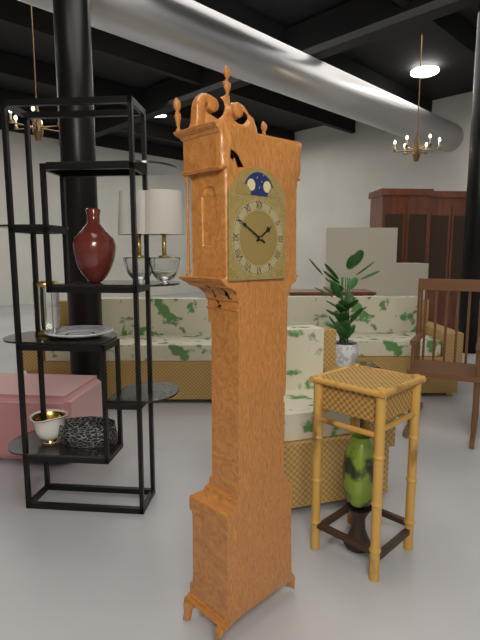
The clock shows 1 h 50 min
